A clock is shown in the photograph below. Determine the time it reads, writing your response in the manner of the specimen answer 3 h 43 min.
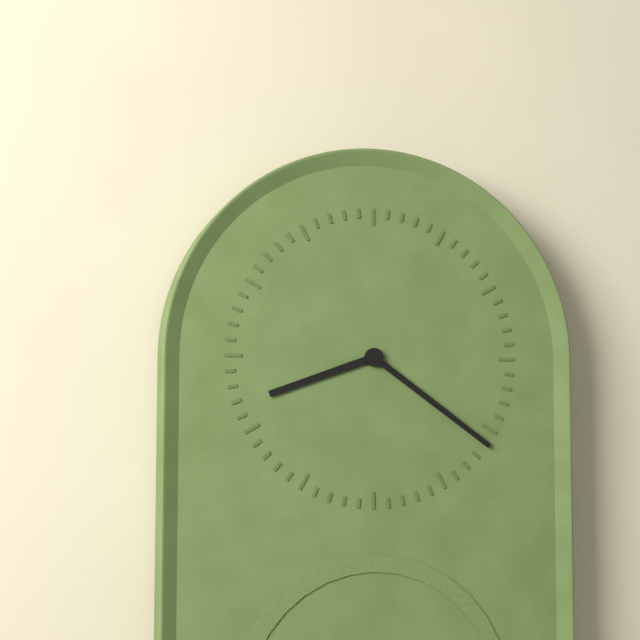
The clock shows 8 h 21 min
